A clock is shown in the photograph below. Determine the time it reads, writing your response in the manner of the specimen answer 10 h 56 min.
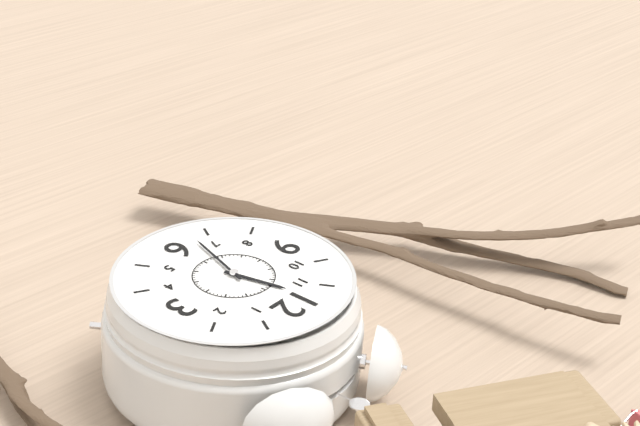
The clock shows 11 h 33 min
